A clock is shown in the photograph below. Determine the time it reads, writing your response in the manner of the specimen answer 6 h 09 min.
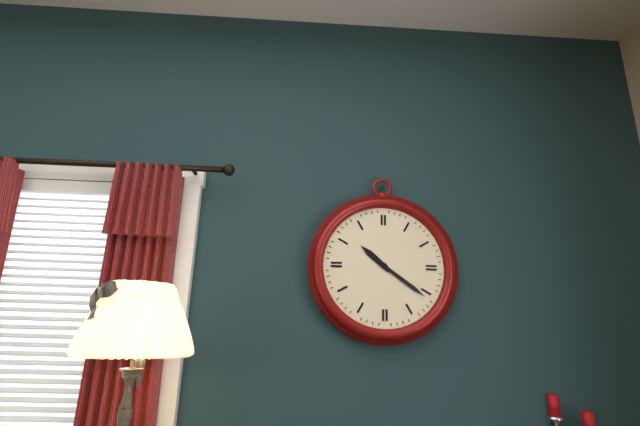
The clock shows 10 h 21 min
